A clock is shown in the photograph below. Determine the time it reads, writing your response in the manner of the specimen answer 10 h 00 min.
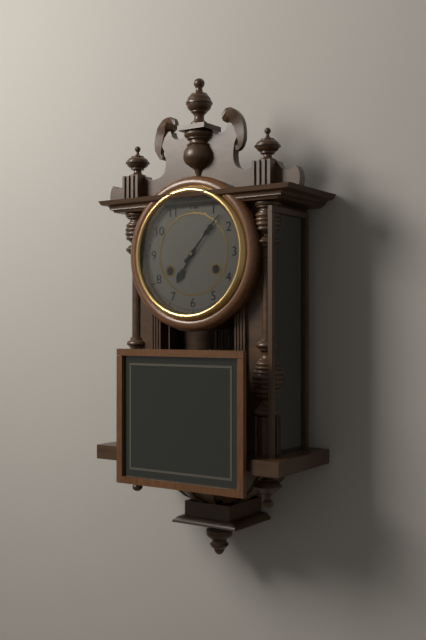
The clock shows 7 h 07 min
